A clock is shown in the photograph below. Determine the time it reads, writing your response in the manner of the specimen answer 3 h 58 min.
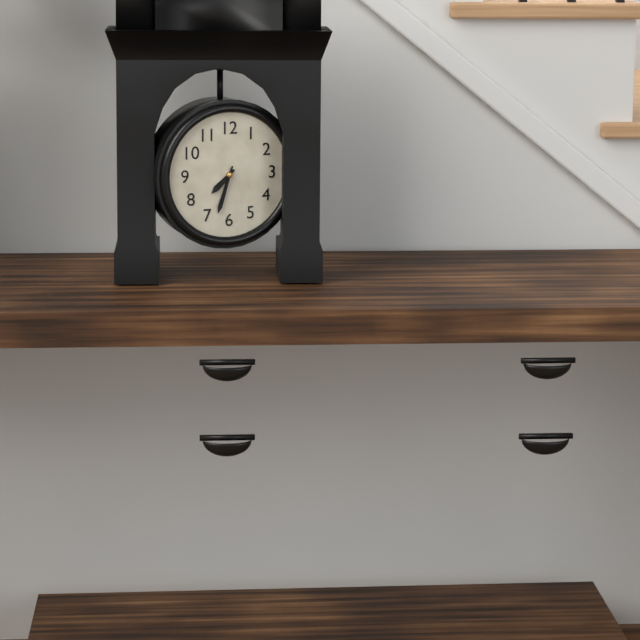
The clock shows 7 h 33 min
